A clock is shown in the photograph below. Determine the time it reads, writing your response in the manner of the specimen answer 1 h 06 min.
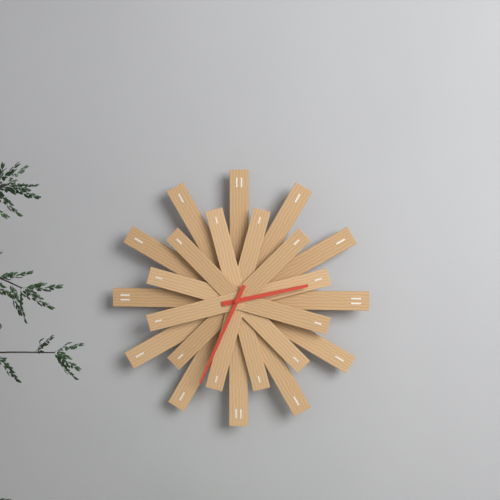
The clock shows 2 h 34 min
